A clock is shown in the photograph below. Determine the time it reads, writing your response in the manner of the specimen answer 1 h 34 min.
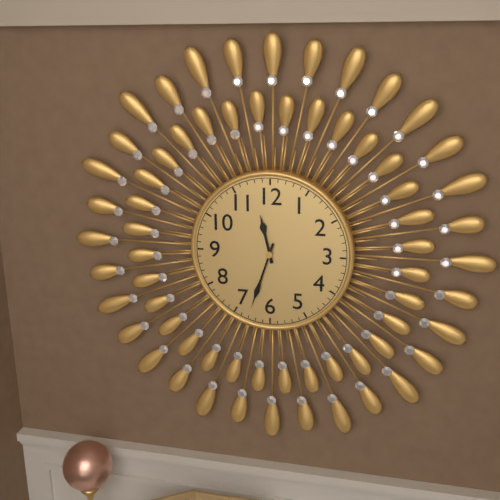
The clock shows 11 h 33 min
